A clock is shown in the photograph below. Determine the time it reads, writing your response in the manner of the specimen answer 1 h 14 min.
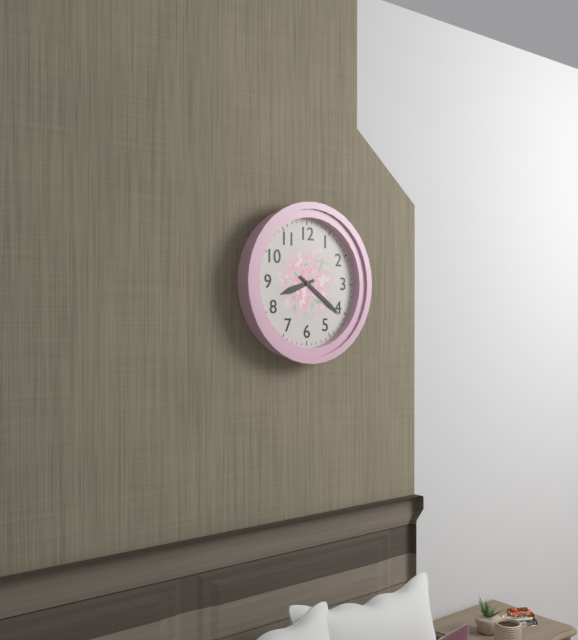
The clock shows 8 h 21 min
